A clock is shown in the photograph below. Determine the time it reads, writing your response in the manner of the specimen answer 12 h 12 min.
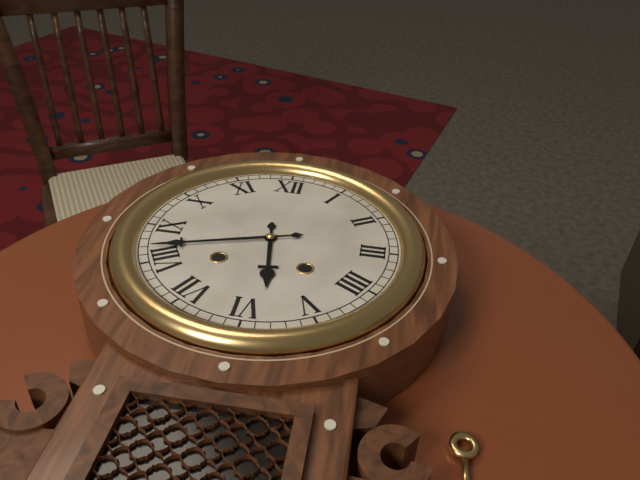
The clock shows 5 h 42 min
